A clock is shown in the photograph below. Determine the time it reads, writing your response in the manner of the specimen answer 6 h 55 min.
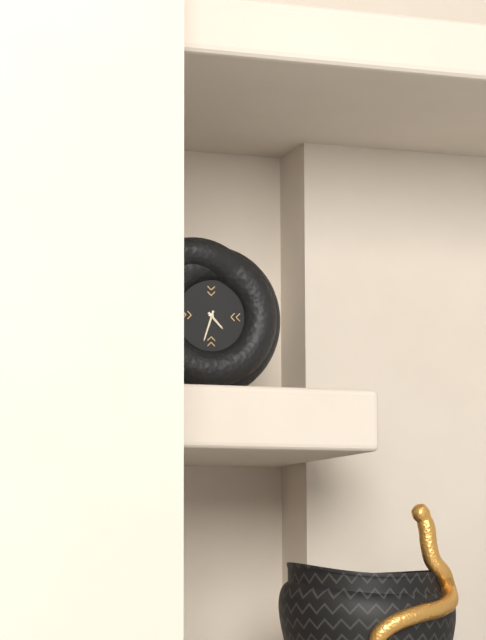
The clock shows 4 h 33 min
